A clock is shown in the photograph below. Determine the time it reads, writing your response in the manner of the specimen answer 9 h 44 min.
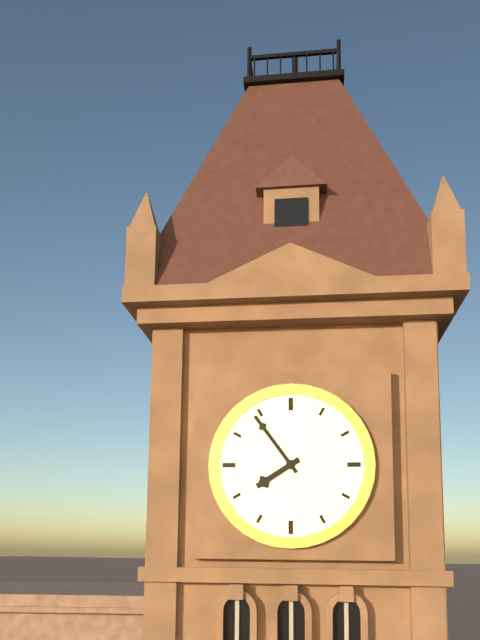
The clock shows 7 h 54 min
